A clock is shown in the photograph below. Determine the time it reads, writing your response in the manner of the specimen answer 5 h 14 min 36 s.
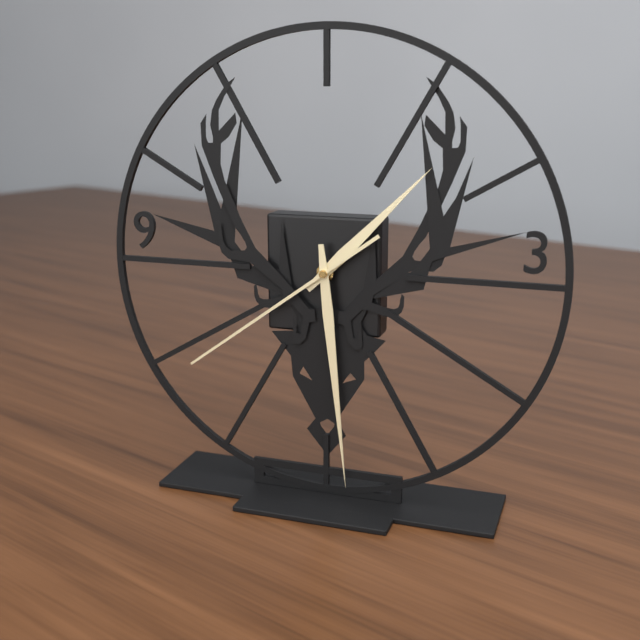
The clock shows 1 h 29 min 39 s
